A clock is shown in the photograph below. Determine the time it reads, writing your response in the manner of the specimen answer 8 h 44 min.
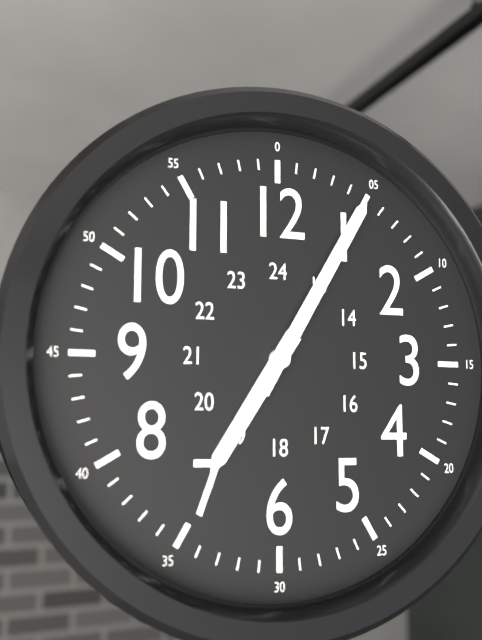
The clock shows 7 h 05 min
